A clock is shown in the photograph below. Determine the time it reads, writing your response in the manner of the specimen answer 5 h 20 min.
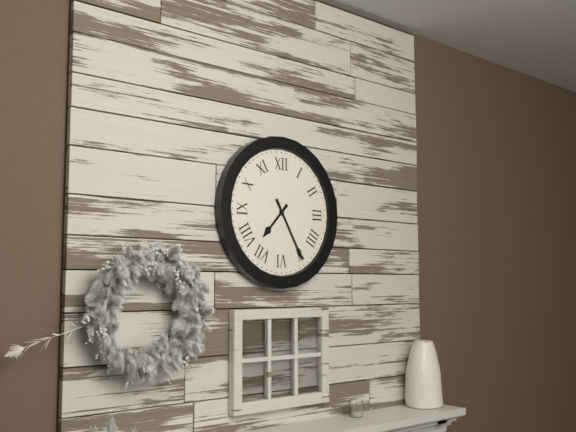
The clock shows 7 h 25 min
